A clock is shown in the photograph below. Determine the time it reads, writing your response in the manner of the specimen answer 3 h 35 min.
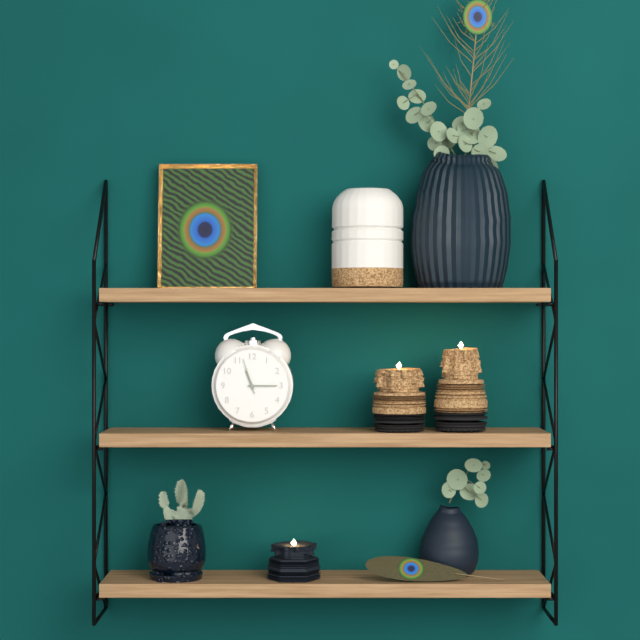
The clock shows 11 h 15 min
